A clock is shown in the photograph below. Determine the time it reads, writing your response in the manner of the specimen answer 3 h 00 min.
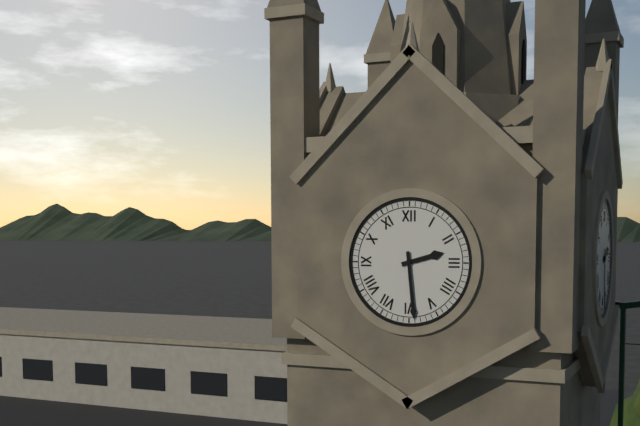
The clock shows 2 h 29 min
